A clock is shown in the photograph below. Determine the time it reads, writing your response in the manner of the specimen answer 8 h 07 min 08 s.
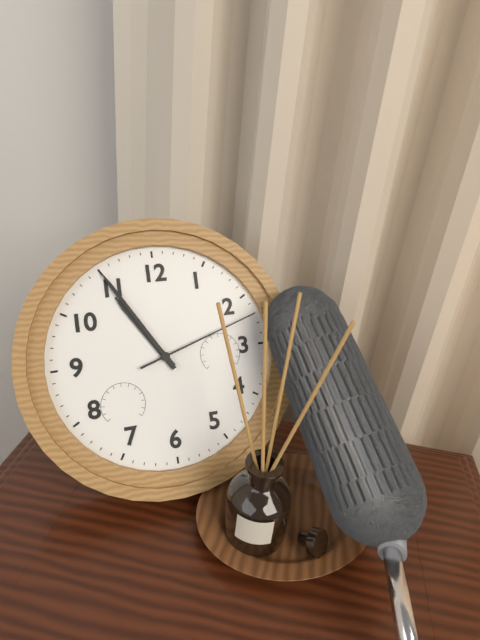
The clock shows 10 h 55 min 12 s
